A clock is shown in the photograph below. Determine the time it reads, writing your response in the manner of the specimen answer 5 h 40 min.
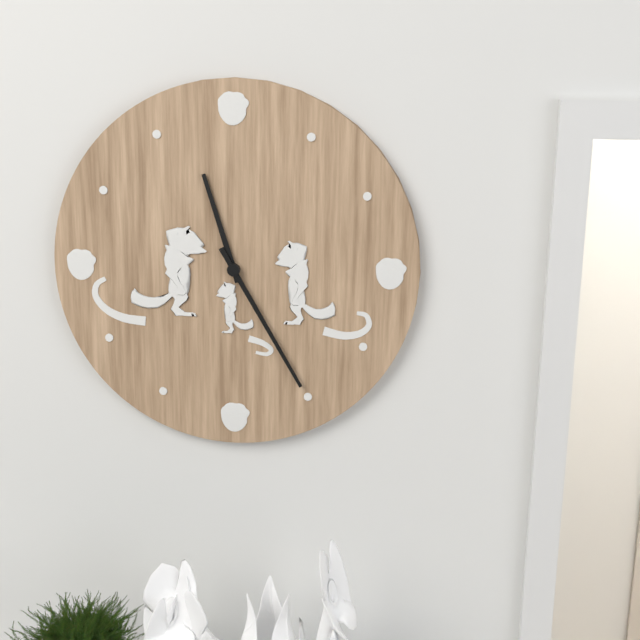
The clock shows 11 h 25 min
